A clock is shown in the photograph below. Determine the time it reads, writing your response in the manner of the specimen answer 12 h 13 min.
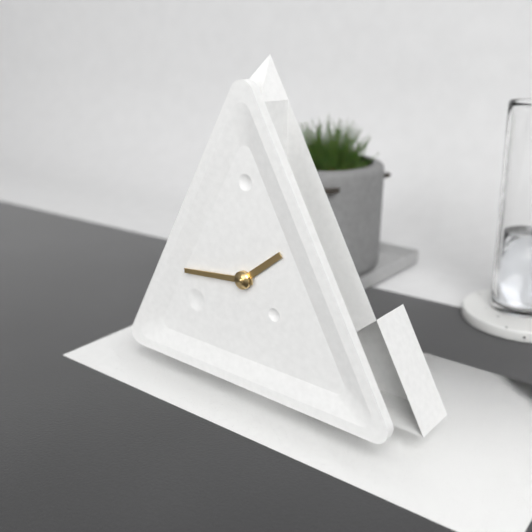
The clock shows 1 h 44 min
